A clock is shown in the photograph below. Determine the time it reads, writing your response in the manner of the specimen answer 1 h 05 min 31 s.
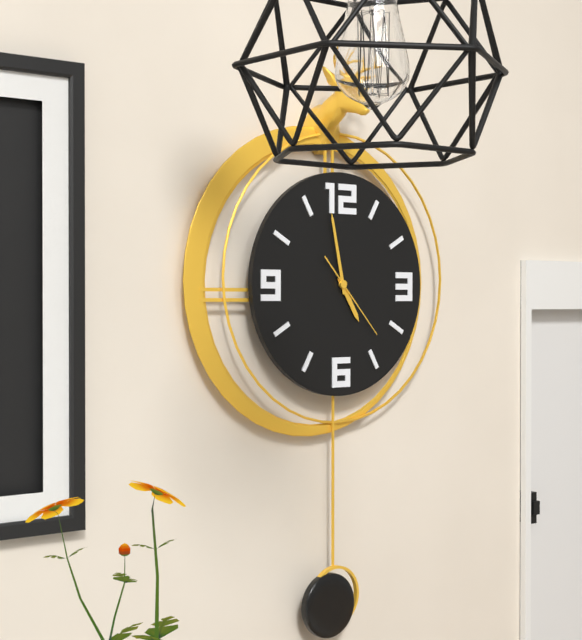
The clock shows 4 h 58 min 23 s
